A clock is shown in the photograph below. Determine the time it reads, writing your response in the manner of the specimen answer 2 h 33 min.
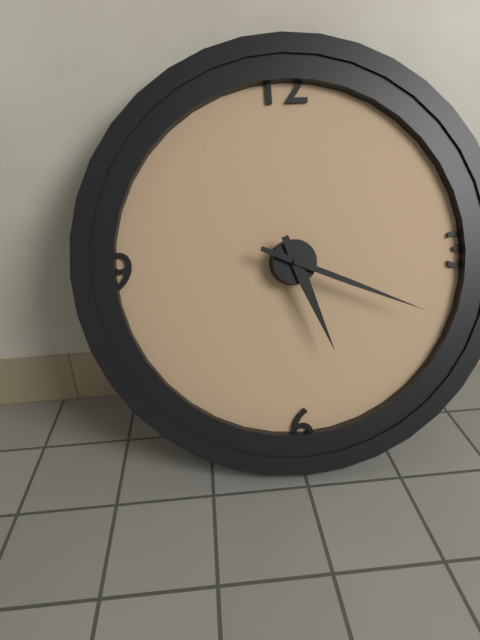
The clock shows 5 h 19 min
